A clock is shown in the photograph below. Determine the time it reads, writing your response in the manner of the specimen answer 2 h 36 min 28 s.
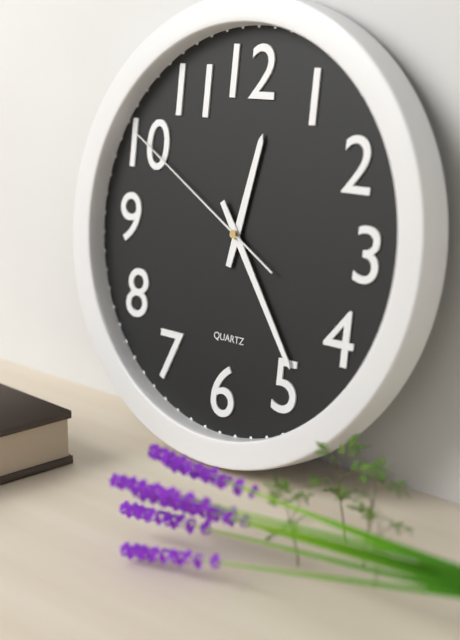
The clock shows 12 h 24 min 50 s
